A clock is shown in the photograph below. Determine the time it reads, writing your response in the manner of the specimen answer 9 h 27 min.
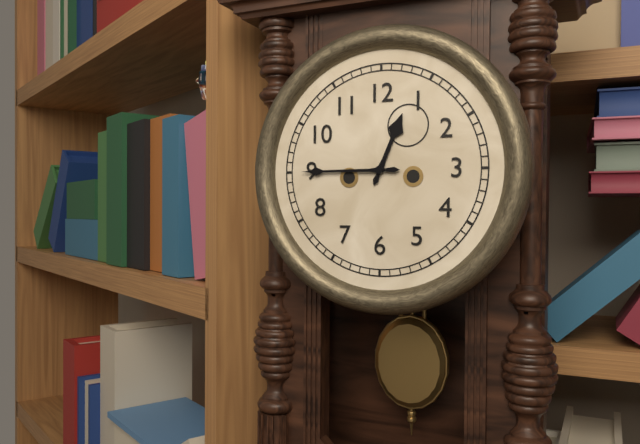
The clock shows 12 h 45 min
